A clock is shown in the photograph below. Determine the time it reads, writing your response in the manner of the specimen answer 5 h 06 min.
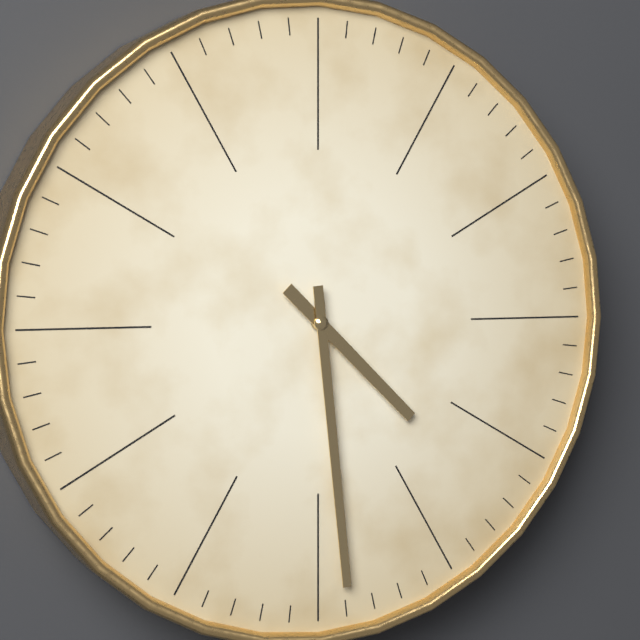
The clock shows 4 h 29 min
